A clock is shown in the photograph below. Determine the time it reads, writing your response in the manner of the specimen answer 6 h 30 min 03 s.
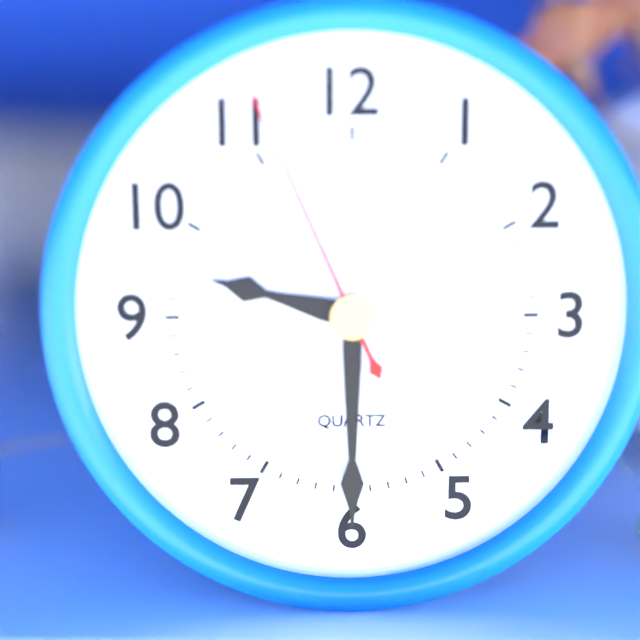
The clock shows 9 h 30 min 56 s
